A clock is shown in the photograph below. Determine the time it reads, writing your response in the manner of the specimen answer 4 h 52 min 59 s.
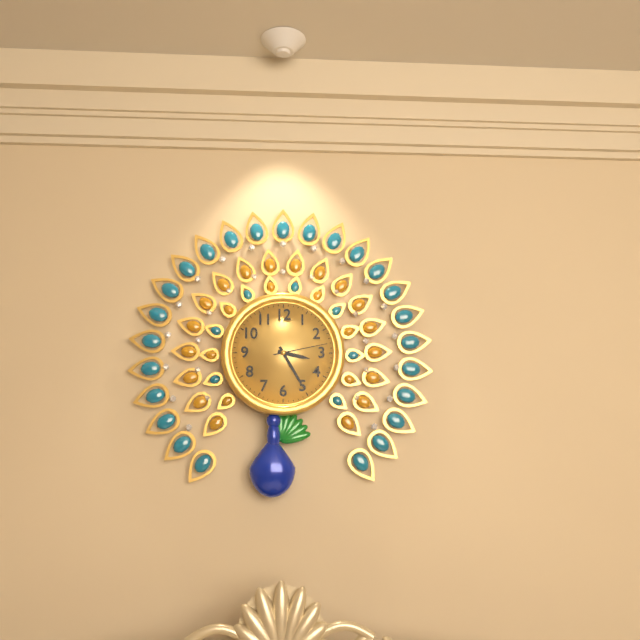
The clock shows 3 h 25 min 13 s
